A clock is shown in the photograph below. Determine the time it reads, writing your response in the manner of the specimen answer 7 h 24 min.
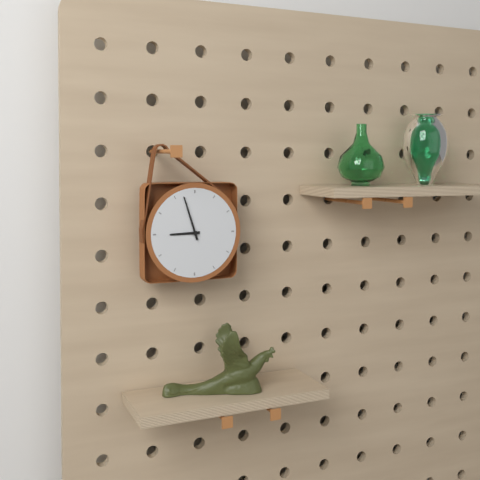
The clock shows 8 h 57 min
